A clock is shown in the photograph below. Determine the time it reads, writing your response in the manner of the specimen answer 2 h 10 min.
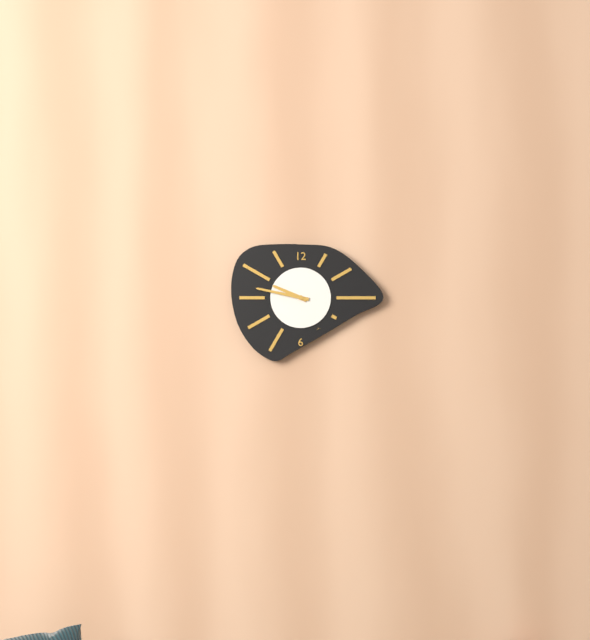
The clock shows 9 h 47 min
